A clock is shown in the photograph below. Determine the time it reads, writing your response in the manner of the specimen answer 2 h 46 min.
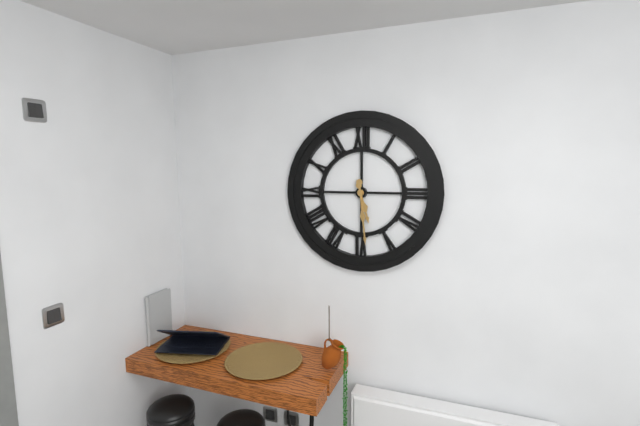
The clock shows 5 h 29 min
